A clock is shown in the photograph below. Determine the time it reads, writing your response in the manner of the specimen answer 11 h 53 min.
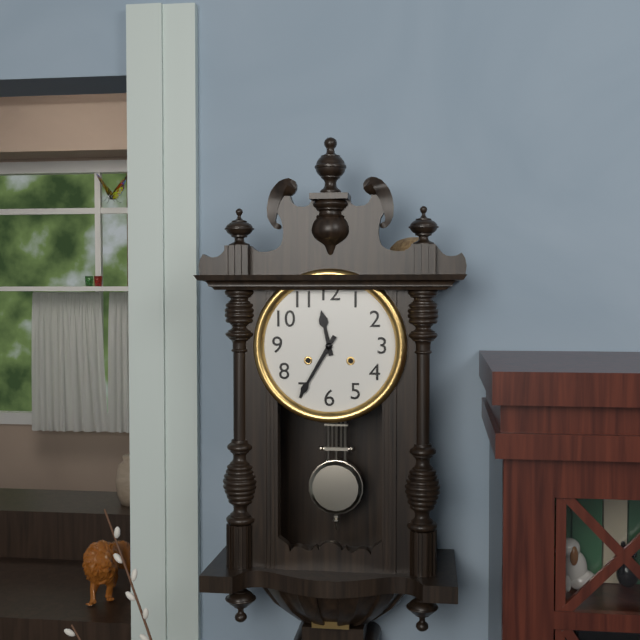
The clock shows 11 h 35 min
